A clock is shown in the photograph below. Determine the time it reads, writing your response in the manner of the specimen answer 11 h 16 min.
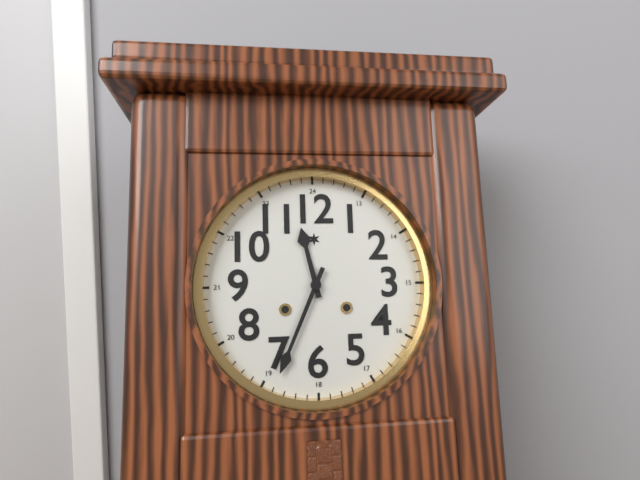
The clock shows 11 h 34 min
